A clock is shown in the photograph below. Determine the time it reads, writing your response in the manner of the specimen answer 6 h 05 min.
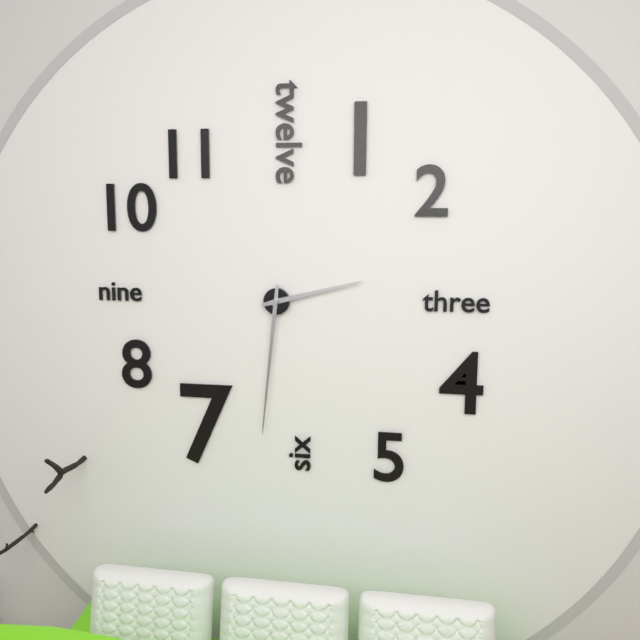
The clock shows 2 h 31 min
